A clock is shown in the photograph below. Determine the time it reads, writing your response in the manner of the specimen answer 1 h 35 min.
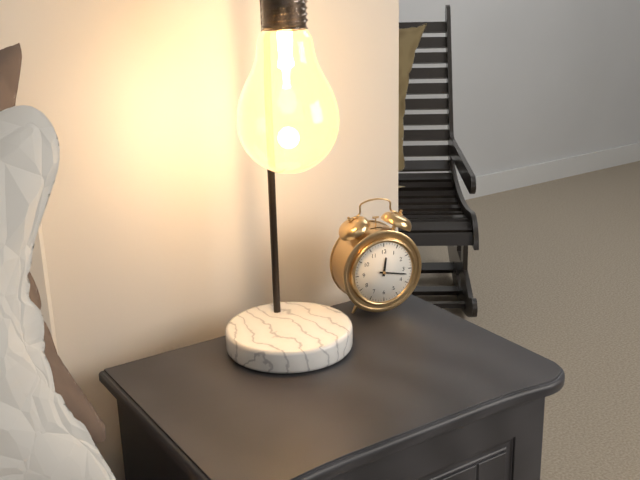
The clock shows 12 h 17 min
